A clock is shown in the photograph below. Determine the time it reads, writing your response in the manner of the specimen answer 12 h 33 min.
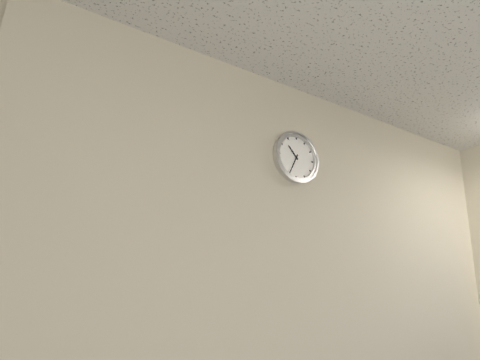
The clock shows 10 h 34 min
